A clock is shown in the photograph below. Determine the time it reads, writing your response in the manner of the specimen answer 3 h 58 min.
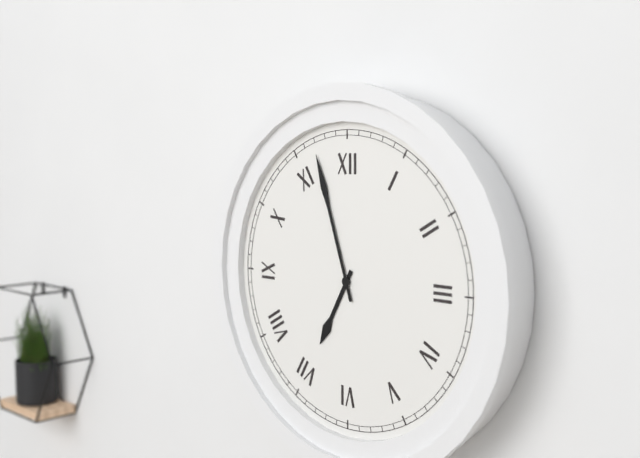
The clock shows 6 h 57 min
